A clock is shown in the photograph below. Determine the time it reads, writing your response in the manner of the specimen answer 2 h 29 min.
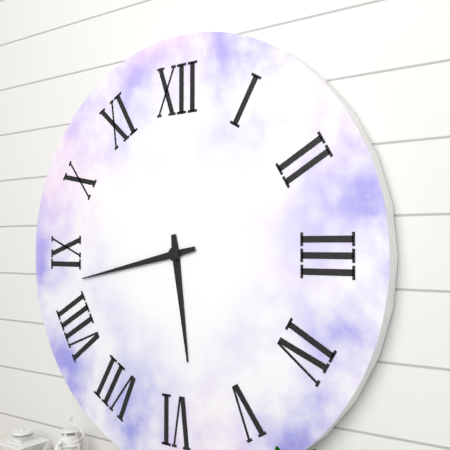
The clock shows 5 h 43 min
